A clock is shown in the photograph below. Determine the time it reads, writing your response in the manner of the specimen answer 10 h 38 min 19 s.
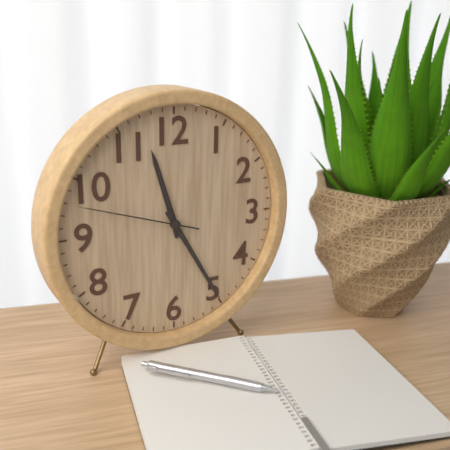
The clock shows 11 h 25 min 48 s
